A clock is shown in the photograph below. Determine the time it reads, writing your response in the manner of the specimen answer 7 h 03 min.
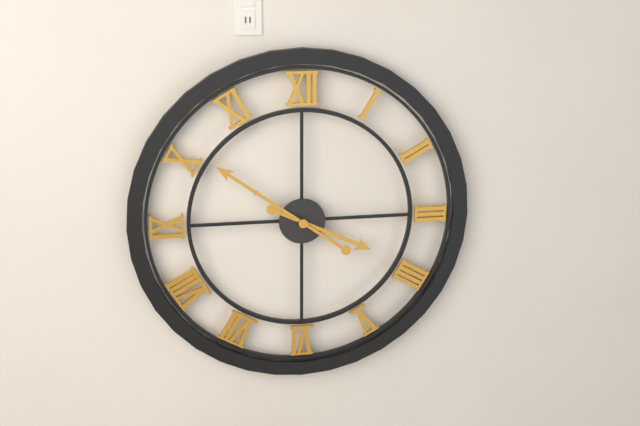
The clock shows 3 h 51 min
